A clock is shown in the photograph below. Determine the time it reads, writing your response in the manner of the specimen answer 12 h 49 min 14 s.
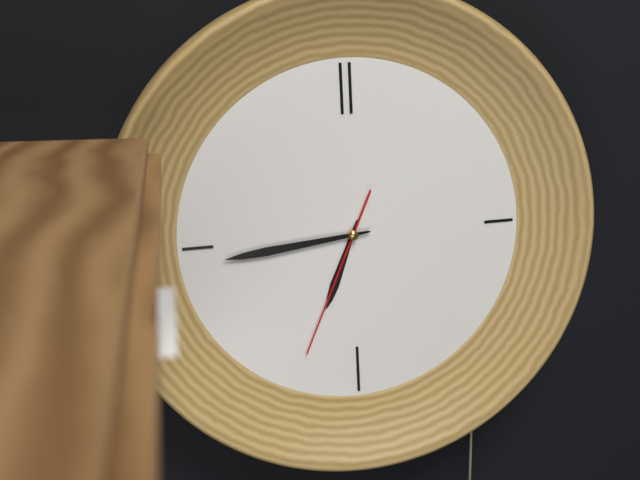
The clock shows 6 h 44 min 34 s
